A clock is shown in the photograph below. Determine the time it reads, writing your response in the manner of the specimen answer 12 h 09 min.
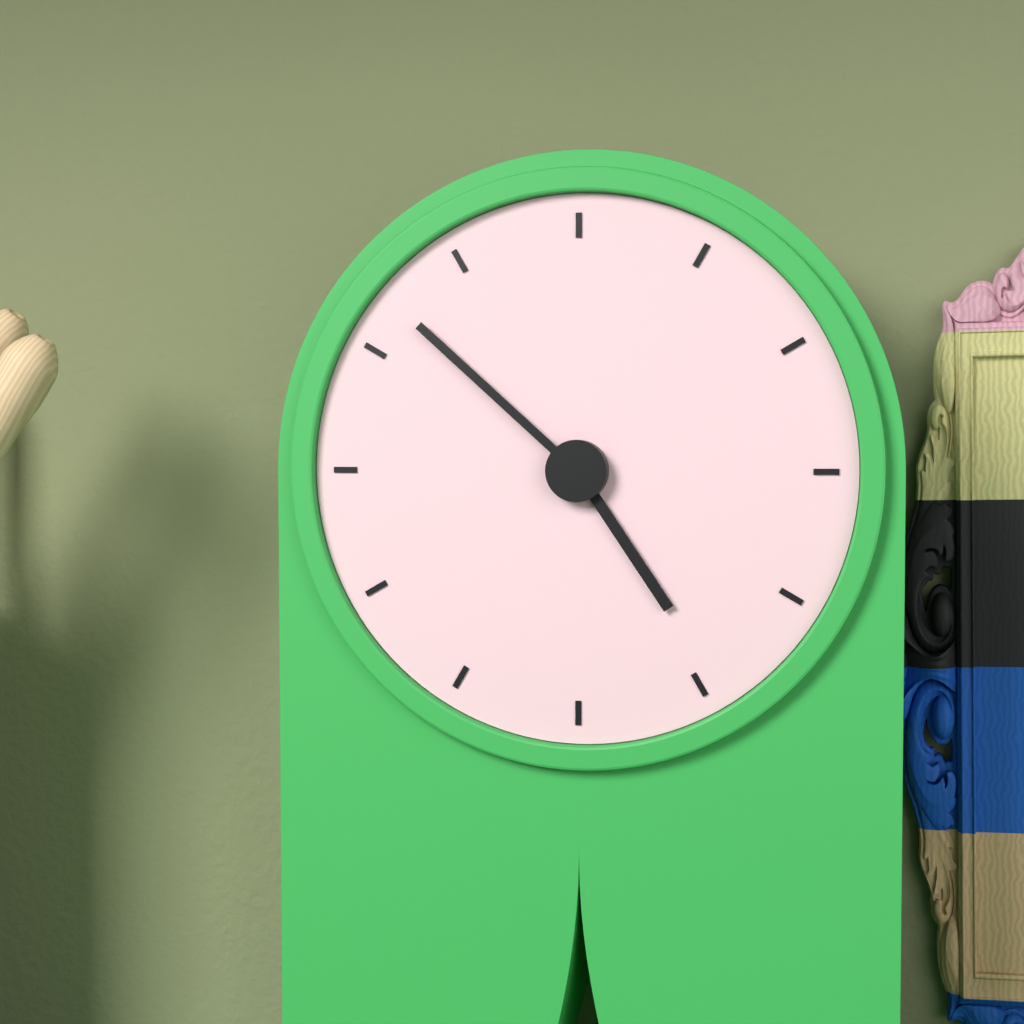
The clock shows 4 h 52 min
